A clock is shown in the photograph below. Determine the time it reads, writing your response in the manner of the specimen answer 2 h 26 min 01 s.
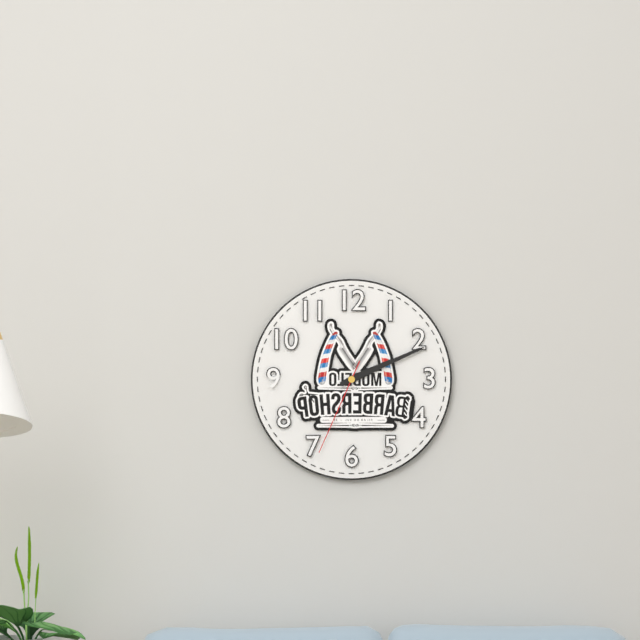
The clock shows 2 h 11 min 34 s
